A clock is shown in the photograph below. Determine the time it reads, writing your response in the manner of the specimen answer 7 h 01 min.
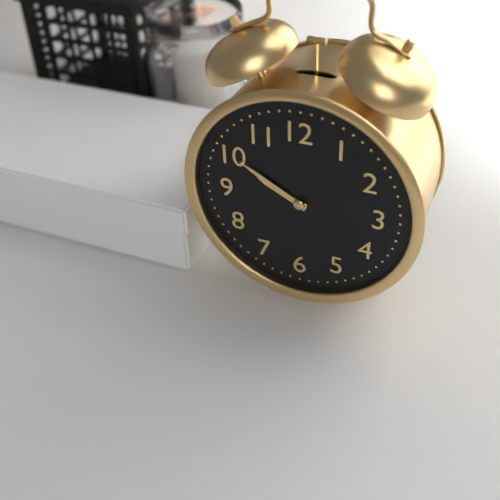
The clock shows 9 h 50 min
